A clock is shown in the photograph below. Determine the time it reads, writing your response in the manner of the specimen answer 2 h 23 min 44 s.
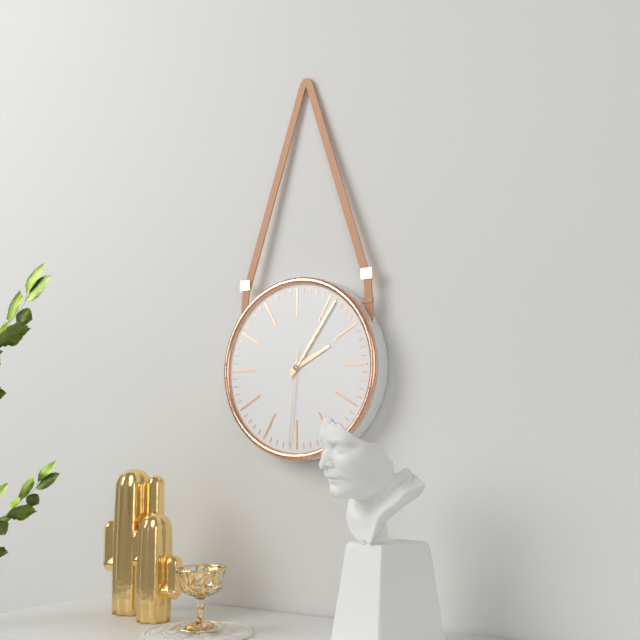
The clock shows 2 h 06 min 31 s
